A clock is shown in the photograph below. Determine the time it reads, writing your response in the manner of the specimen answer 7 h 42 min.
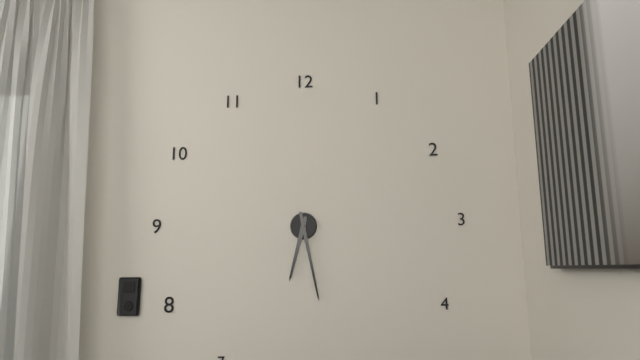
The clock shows 6 h 28 min
